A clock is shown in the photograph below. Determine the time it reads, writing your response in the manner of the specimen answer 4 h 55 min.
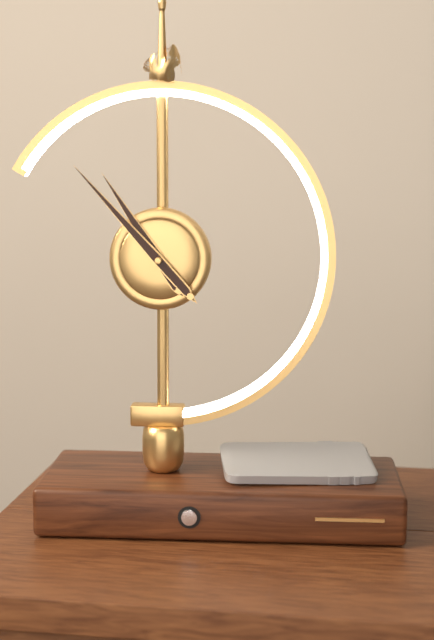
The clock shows 10 h 53 min
